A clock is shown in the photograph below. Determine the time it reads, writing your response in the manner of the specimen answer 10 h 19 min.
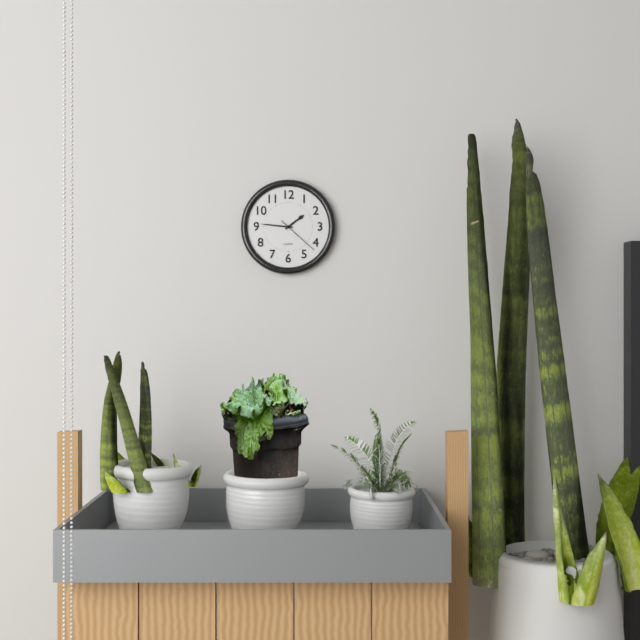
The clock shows 1 h 46 min
